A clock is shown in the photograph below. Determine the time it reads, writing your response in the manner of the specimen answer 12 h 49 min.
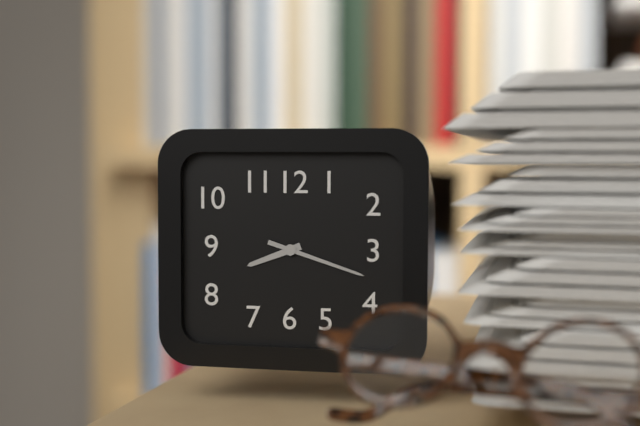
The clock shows 8 h 18 min
